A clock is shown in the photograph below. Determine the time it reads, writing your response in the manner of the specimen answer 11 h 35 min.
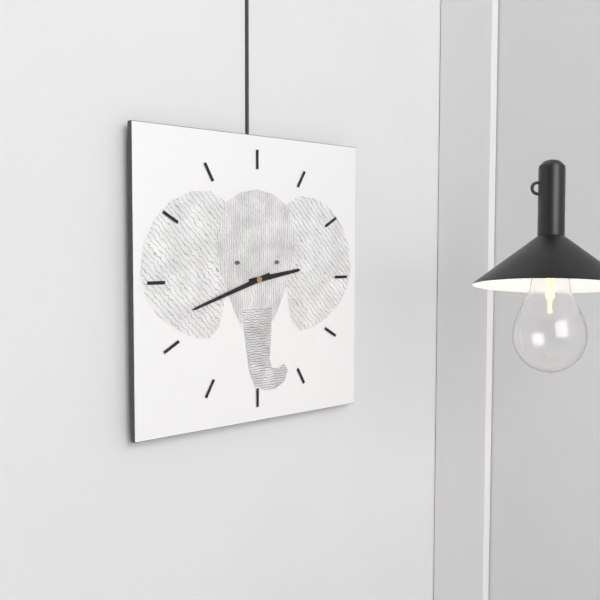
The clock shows 2 h 42 min
